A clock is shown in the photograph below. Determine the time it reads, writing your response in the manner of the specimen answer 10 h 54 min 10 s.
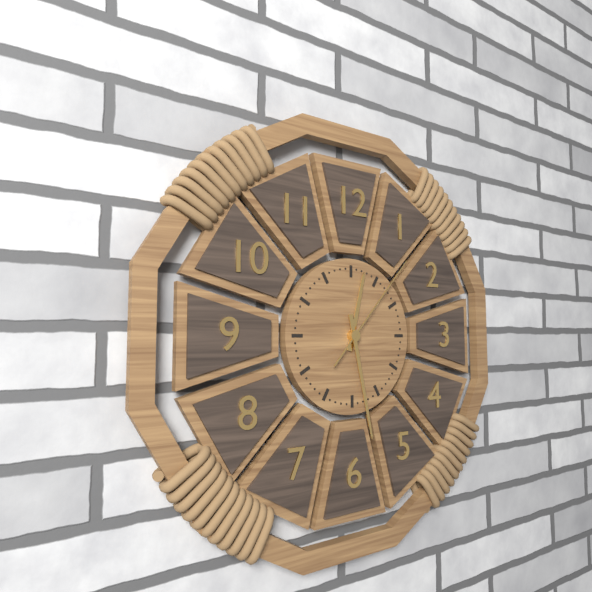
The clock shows 12 h 28 min 07 s
